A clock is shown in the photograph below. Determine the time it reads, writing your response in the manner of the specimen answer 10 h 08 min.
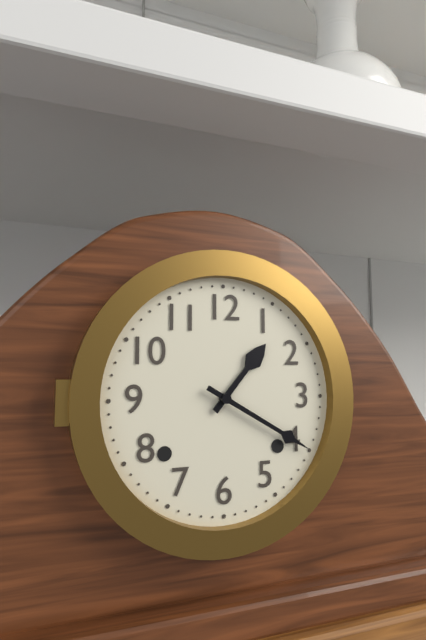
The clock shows 1 h 20 min
